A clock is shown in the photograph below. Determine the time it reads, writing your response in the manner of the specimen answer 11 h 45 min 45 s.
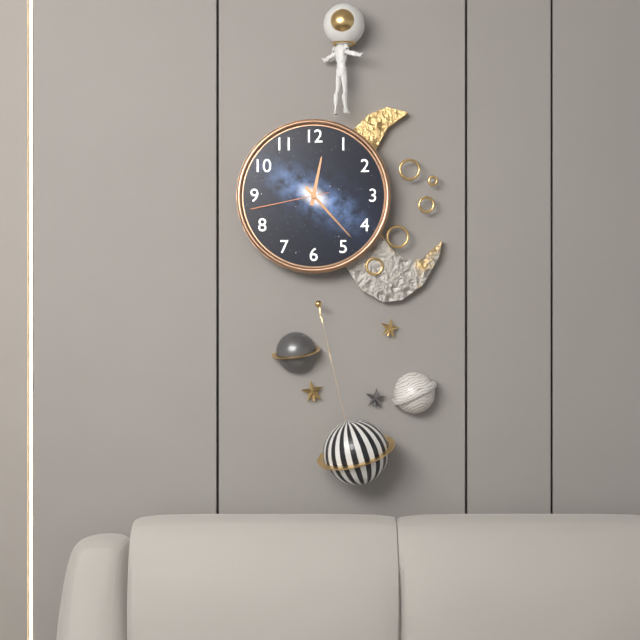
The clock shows 12 h 23 min 43 s
